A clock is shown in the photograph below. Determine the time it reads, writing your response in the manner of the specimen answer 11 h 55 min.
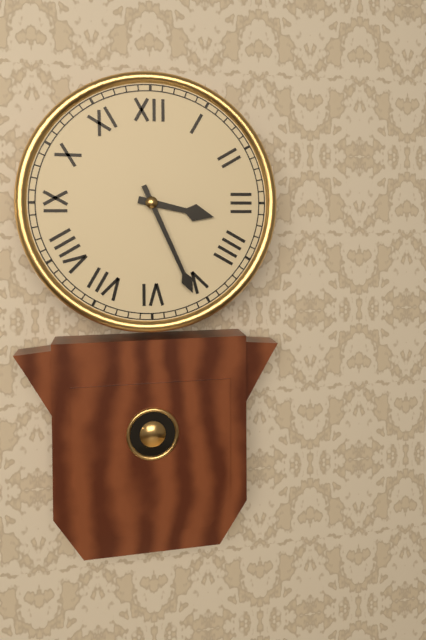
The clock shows 3 h 26 min
